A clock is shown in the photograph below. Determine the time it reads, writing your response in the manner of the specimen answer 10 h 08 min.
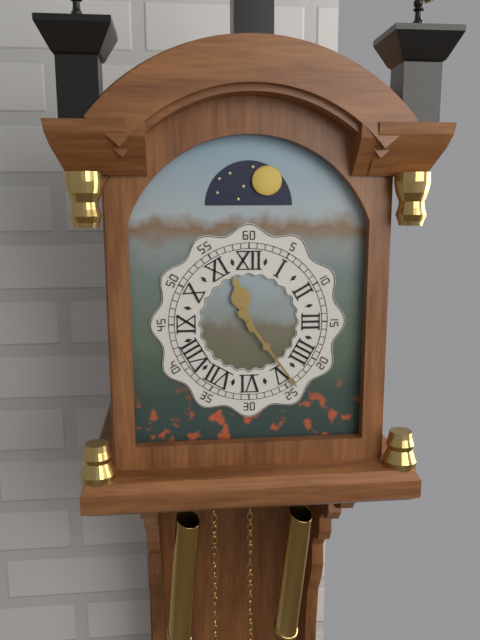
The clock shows 11 h 24 min
